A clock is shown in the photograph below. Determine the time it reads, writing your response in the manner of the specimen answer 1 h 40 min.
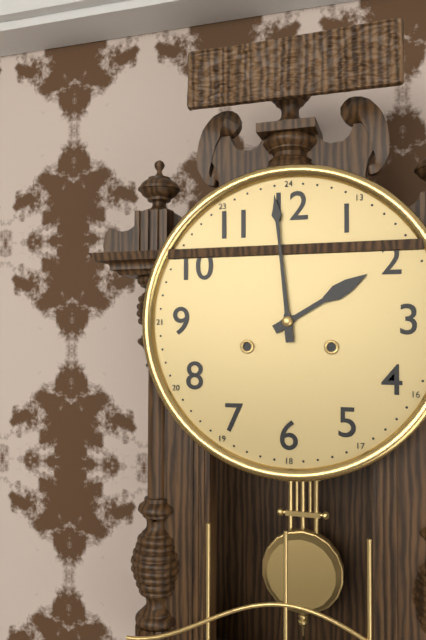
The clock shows 1 h 59 min
